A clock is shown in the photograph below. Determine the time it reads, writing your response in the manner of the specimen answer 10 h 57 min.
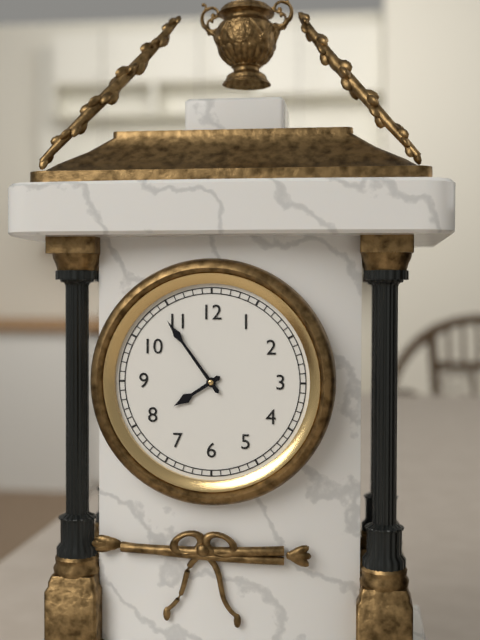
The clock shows 7 h 54 min
